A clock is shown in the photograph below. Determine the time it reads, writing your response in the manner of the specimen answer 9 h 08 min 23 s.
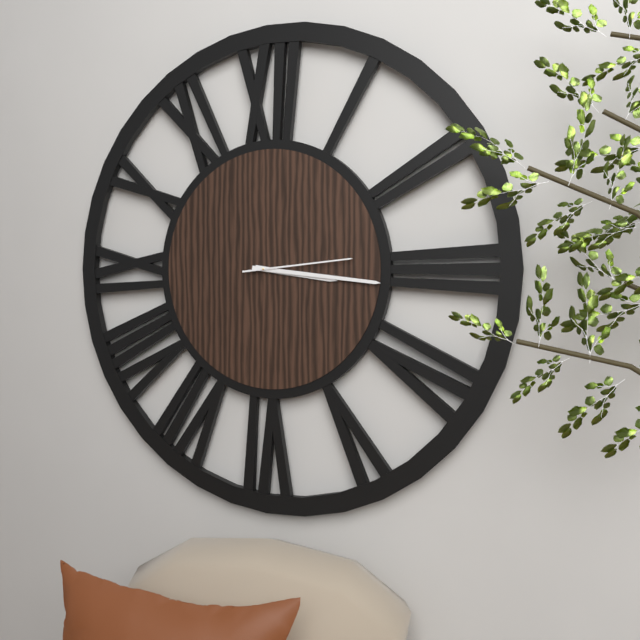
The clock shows 3 h 16 min 14 s
